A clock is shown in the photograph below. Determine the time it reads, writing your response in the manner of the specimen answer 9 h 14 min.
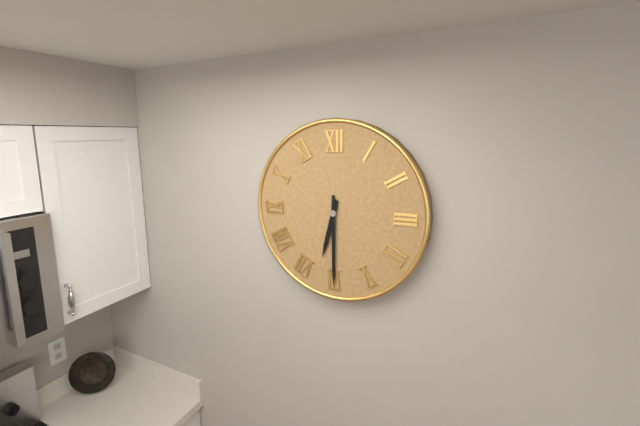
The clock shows 6 h 30 min
